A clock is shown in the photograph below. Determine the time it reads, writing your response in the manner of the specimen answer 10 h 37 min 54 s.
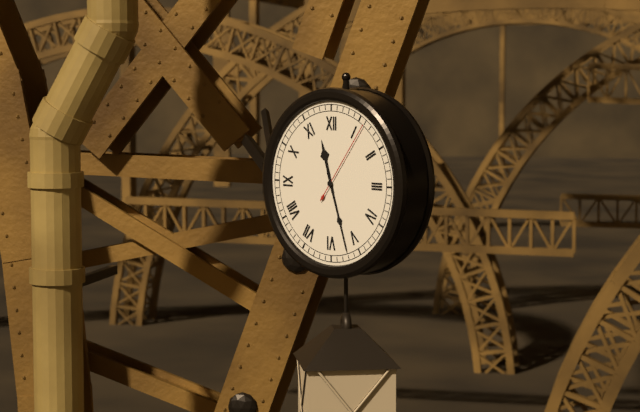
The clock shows 11 h 27 min 06 s
